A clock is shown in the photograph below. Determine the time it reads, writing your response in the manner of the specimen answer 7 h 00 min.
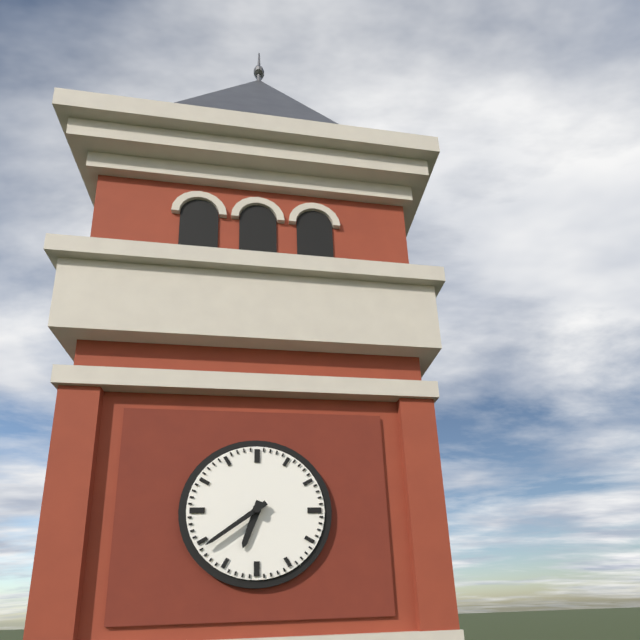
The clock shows 6 h 39 min
